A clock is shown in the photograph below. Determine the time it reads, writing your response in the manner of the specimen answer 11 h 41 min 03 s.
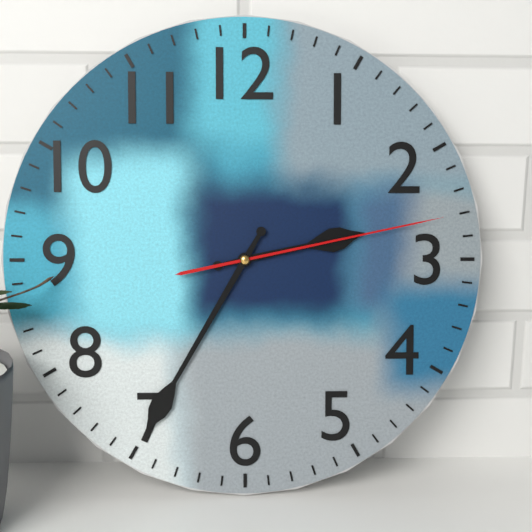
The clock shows 2 h 35 min 13 s
